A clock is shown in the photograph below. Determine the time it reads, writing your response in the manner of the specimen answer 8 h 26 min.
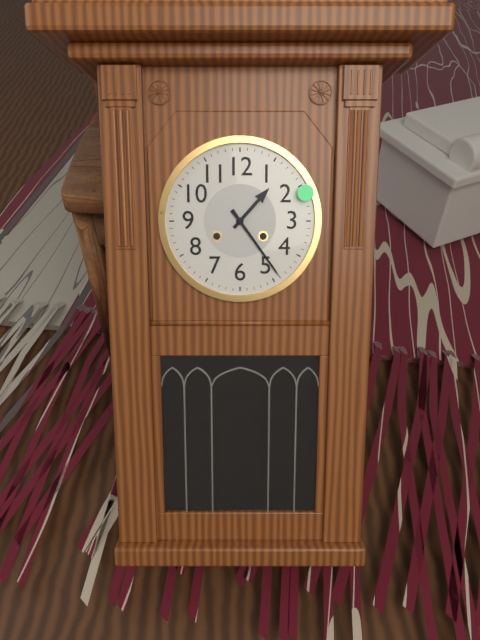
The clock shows 1 h 24 min
